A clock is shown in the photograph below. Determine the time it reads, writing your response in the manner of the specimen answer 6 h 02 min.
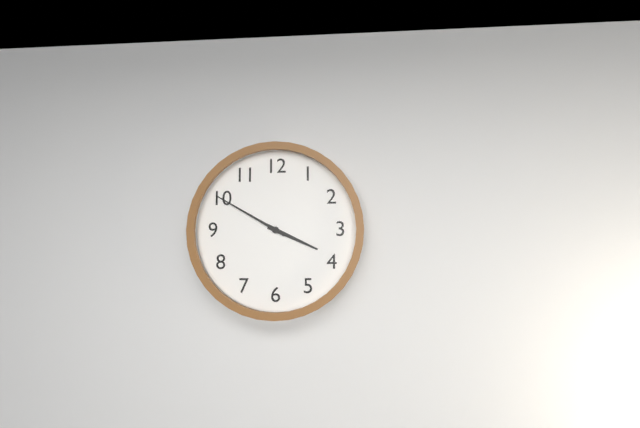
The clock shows 3 h 50 min
